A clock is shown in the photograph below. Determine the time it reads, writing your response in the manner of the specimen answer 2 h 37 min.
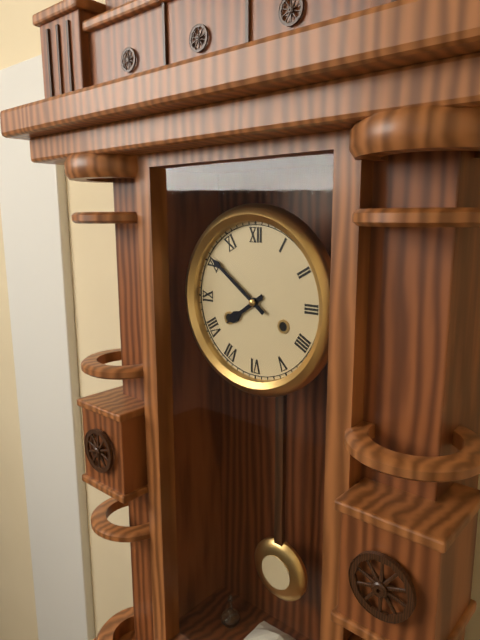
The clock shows 7 h 51 min
